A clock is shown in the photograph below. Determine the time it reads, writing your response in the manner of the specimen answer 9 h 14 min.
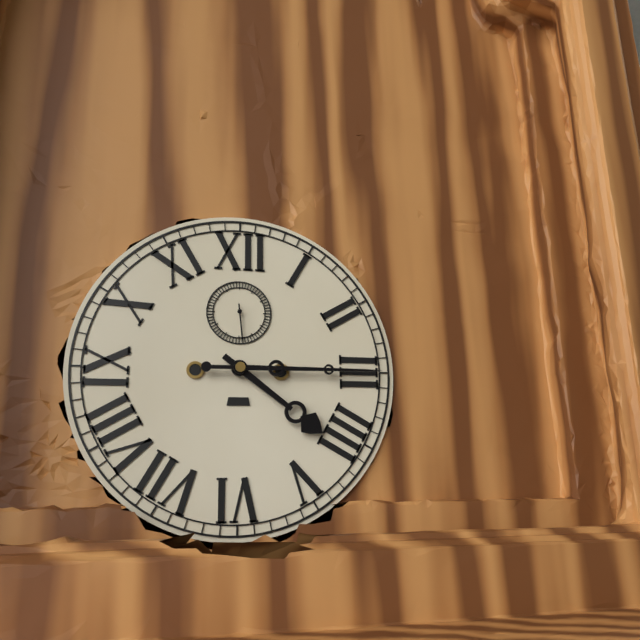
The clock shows 4 h 15 min
